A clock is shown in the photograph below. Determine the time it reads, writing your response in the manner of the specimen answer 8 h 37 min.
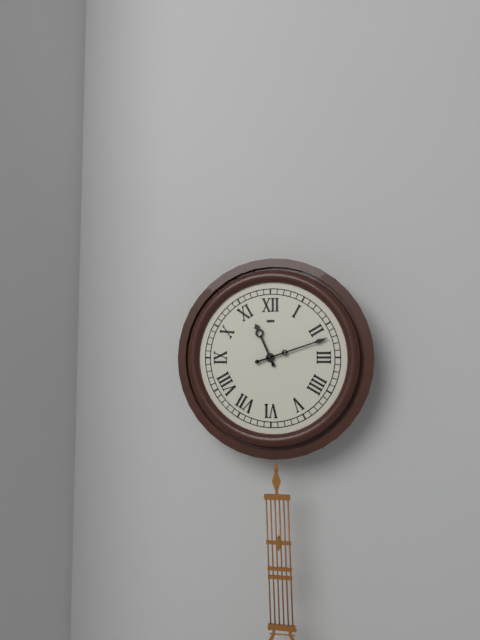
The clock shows 11 h 12 min
